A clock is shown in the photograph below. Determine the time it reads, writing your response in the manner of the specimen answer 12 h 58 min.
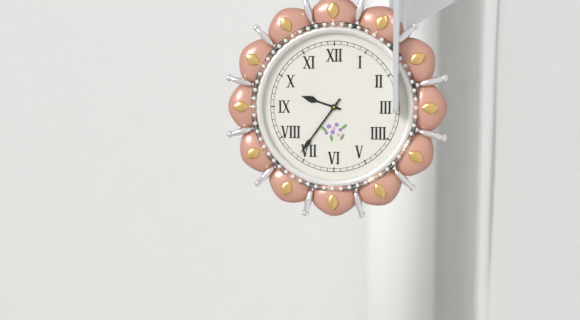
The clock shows 9 h 36 min
